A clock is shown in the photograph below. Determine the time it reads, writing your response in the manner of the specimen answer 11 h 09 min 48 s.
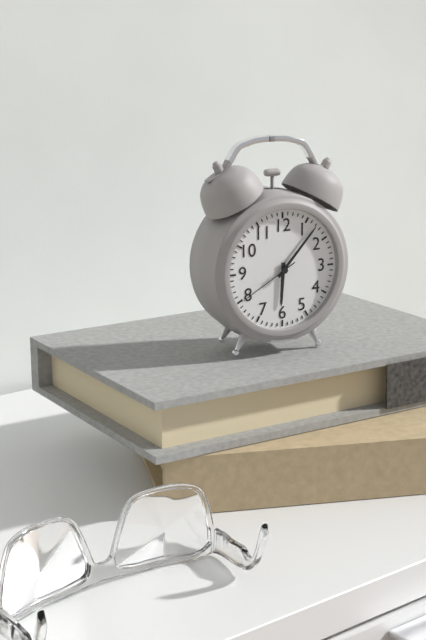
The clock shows 6 h 07 min 40 s
